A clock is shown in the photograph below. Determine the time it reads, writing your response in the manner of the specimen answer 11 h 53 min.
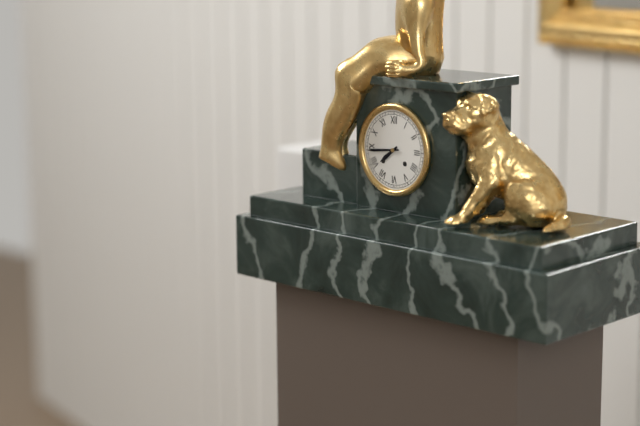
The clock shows 7 h 44 min
